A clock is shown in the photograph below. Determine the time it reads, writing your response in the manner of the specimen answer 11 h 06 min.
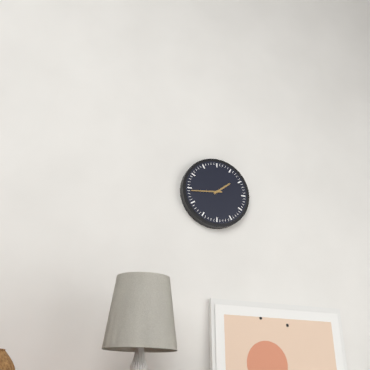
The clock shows 1 h 44 min
